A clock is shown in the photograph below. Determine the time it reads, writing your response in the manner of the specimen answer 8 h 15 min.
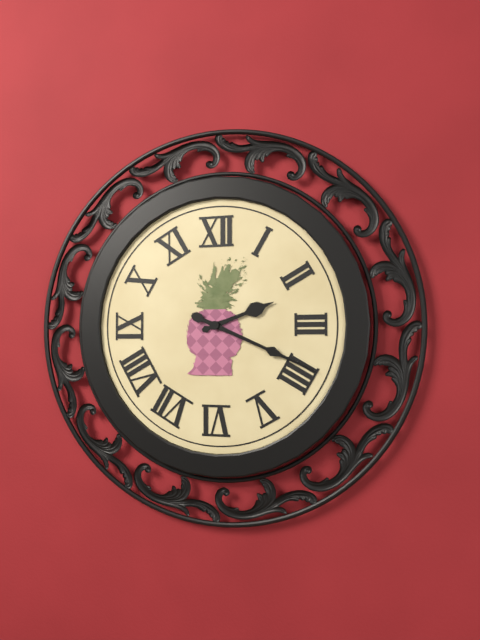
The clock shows 2 h 19 min
